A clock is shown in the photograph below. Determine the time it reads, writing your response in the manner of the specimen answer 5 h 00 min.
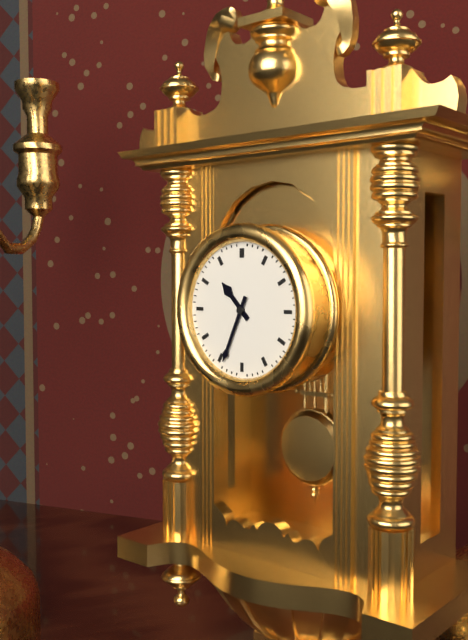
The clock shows 10 h 34 min
